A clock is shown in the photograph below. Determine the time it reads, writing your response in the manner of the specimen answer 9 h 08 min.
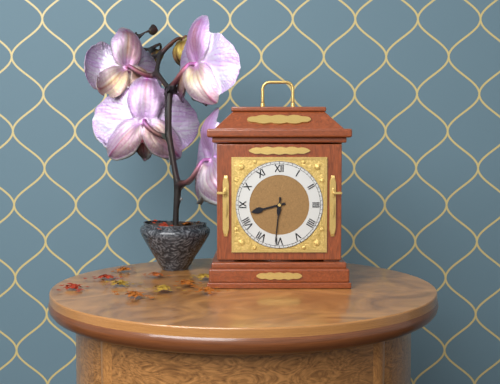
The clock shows 8 h 31 min
